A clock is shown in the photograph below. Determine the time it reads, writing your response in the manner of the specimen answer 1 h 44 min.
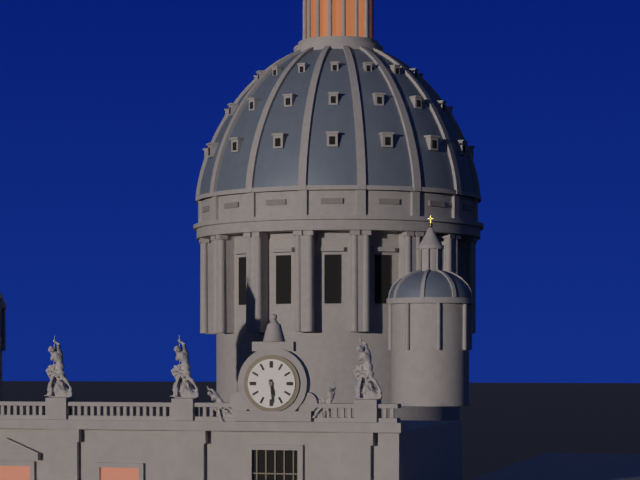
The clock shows 5 h 29 min
